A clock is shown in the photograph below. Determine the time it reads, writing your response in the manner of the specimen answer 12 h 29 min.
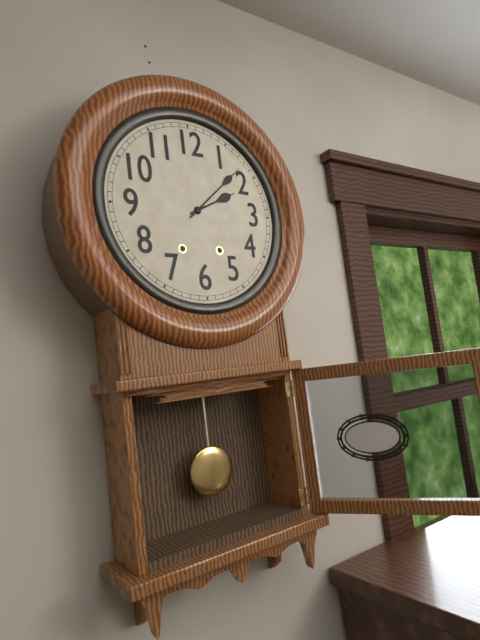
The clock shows 2 h 08 min
